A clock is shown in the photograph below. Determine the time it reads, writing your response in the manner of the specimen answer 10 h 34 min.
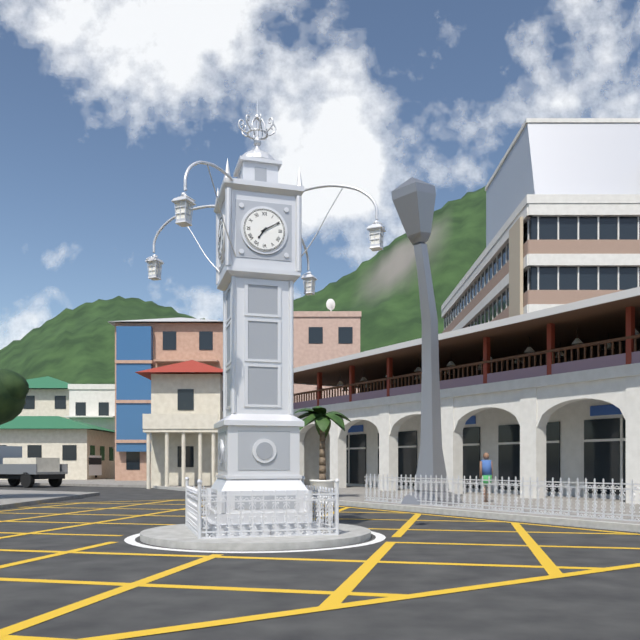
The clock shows 7 h 10 min
